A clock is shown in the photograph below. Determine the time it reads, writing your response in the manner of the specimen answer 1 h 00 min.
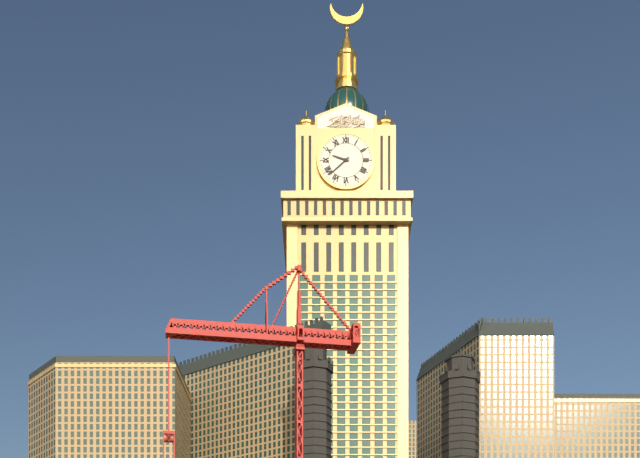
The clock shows 9 h 38 min
